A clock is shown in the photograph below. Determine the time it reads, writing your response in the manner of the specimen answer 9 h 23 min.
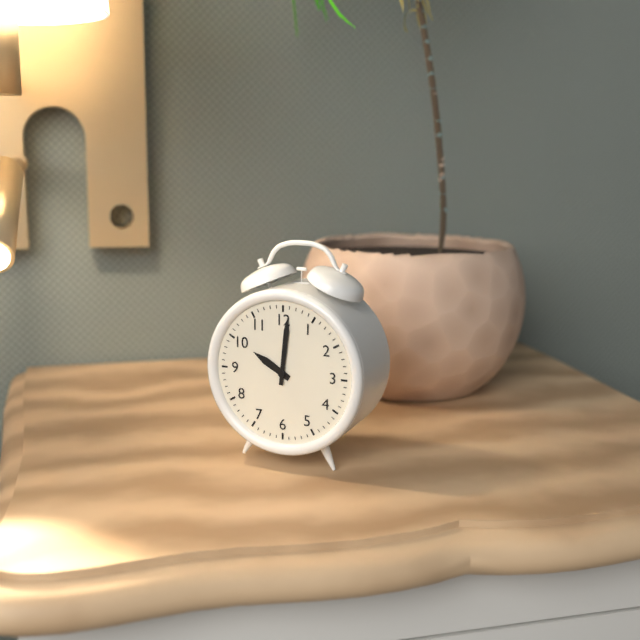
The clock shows 10 h 01 min
